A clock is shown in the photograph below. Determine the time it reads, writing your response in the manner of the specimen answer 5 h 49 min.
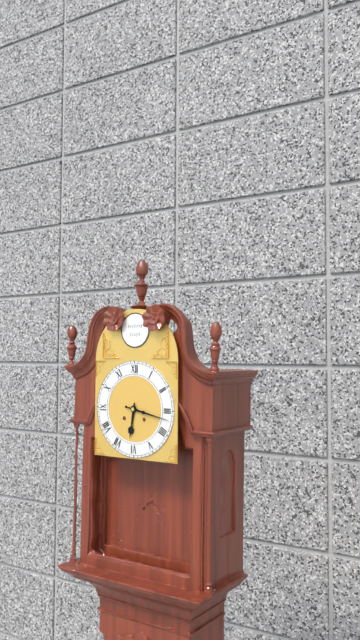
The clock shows 6 h 17 min
